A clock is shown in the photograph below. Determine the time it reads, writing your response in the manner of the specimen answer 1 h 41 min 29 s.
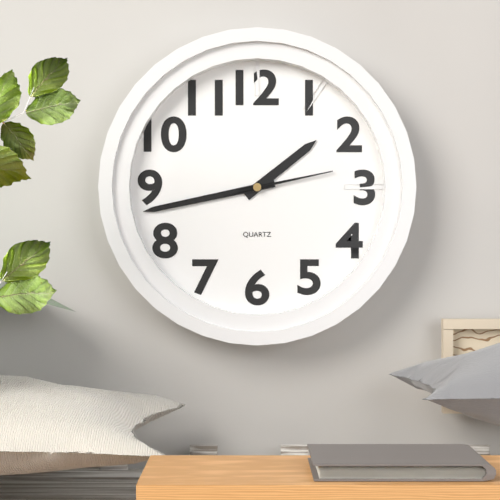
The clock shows 1 h 43 min 13 s
